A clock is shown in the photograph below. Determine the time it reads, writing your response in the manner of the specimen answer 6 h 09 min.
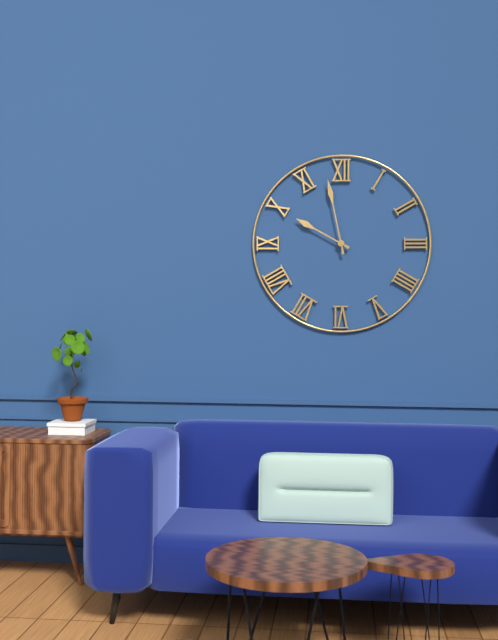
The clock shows 9 h 58 min
